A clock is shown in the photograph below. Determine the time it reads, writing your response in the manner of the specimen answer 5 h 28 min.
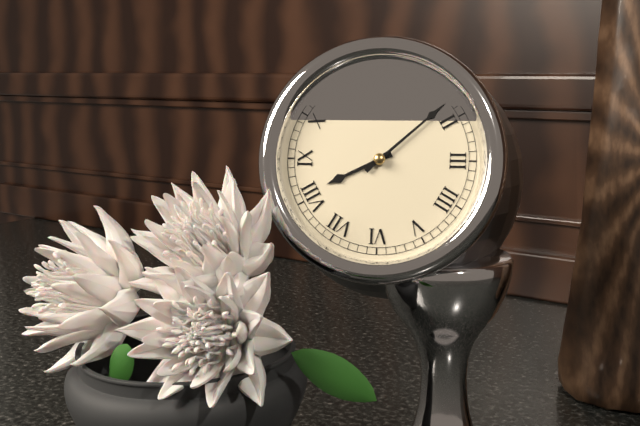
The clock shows 8 h 08 min
